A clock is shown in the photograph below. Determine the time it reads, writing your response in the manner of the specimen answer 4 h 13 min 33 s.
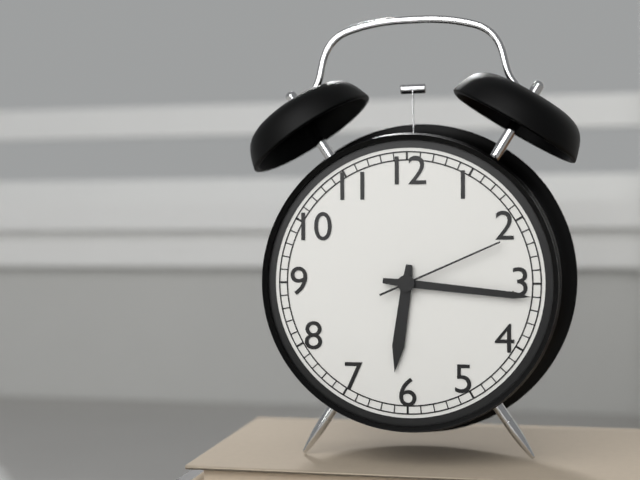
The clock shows 6 h 16 min 11 s
